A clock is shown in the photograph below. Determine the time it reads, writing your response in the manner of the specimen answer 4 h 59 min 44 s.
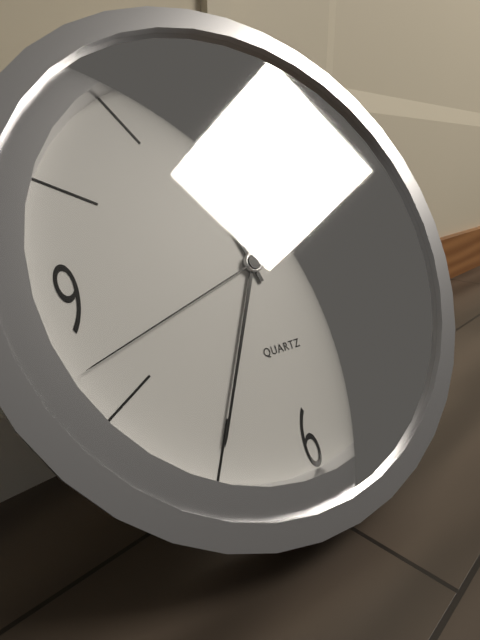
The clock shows 11 h 35 min 42 s
